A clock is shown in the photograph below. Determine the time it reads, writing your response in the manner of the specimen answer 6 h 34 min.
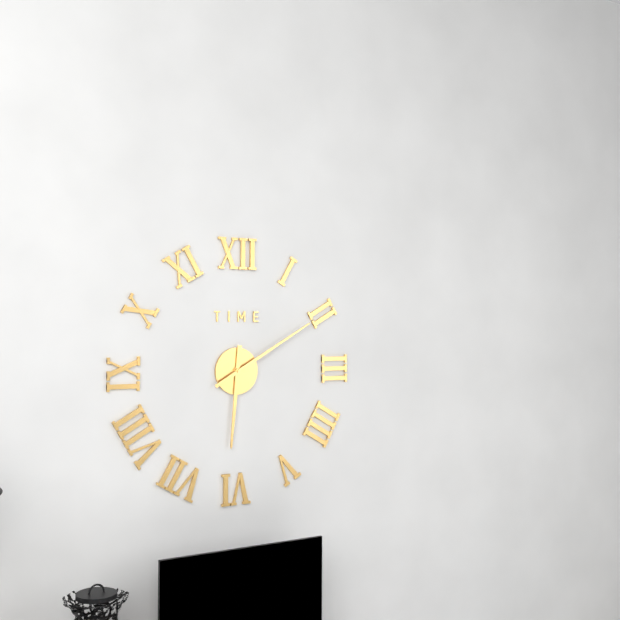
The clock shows 6 h 10 min
